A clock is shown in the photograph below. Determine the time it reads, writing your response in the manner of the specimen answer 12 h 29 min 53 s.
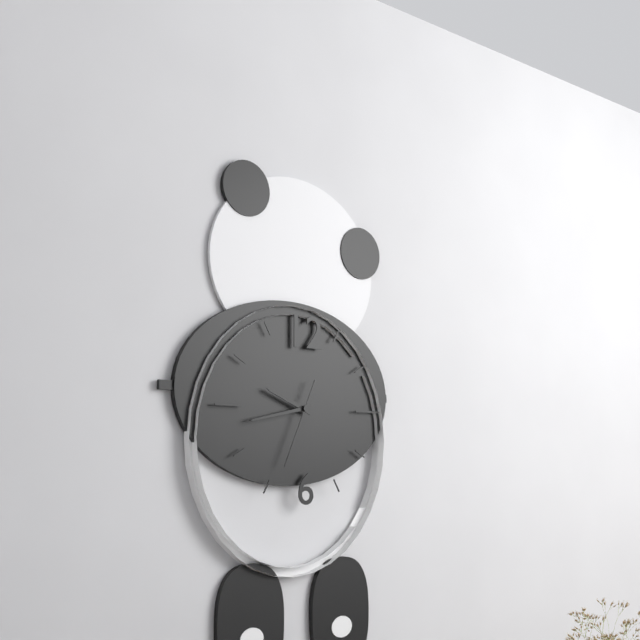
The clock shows 9 h 43 min 34 s
